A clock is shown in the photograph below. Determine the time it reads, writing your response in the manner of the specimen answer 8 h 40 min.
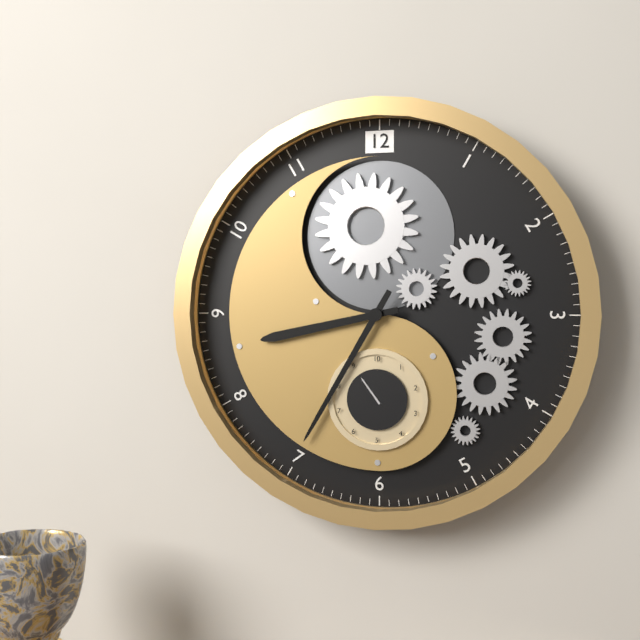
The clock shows 8 h 35 min
